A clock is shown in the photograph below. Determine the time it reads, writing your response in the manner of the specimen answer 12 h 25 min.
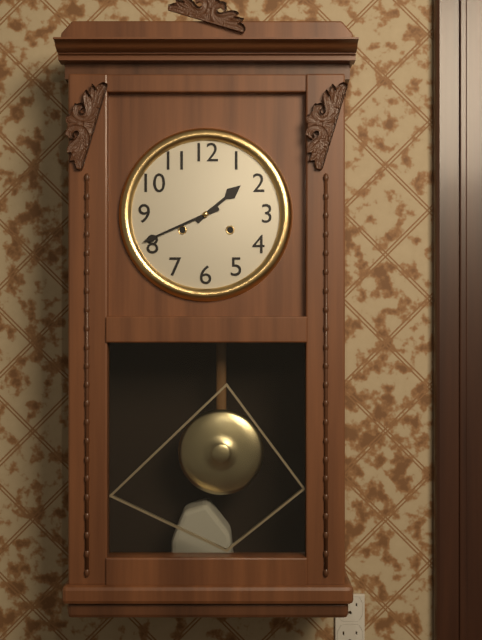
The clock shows 1 h 41 min
